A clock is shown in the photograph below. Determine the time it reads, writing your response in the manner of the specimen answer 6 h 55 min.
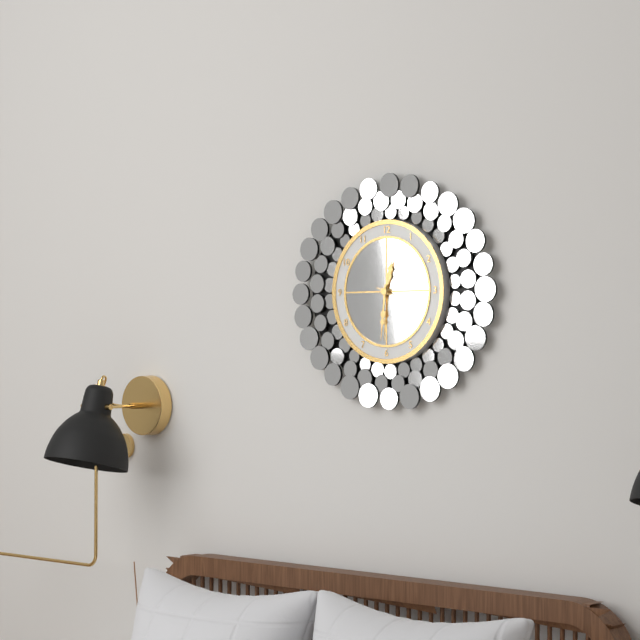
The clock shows 12 h 31 min
